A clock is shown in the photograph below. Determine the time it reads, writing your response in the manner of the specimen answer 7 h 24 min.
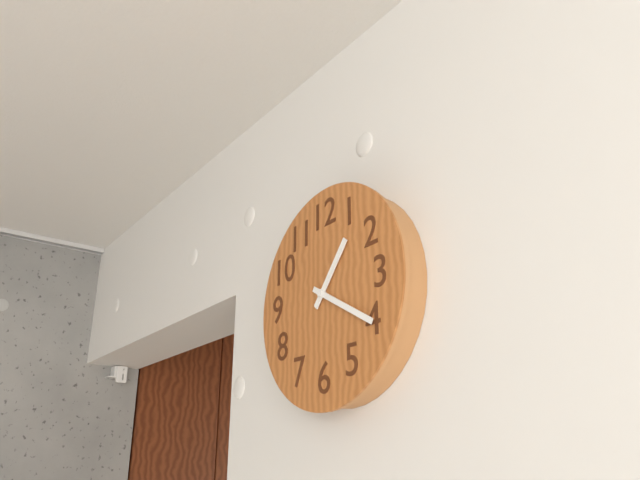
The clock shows 1 h 20 min
